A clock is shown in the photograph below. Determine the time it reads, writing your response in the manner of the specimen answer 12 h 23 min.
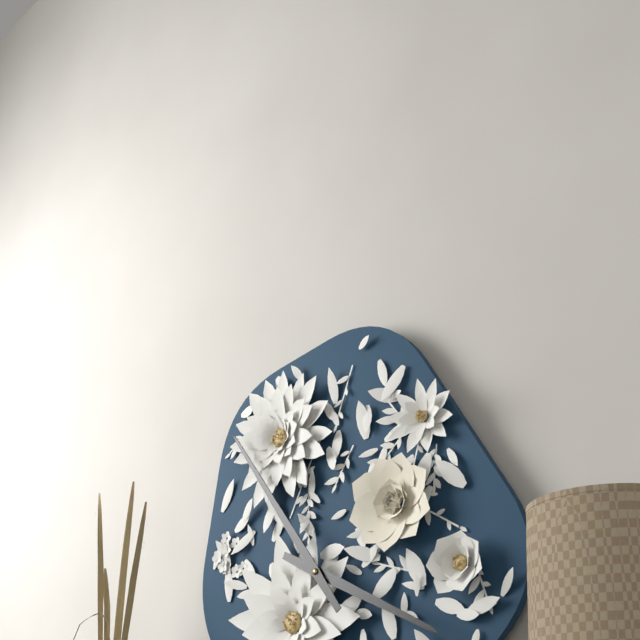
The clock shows 3 h 54 min
